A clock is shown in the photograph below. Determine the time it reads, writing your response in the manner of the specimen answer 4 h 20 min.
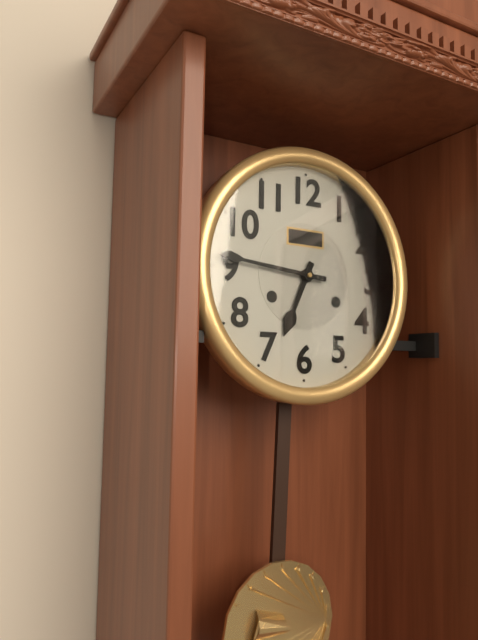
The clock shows 6 h 46 min
